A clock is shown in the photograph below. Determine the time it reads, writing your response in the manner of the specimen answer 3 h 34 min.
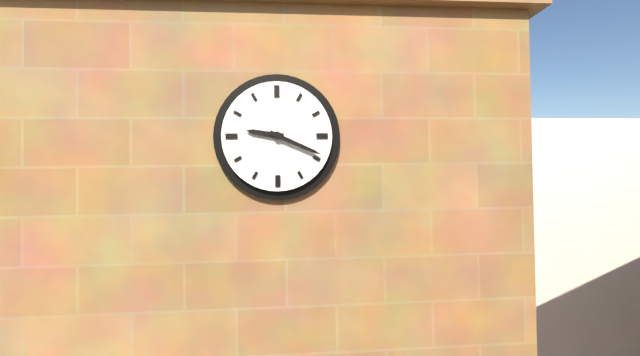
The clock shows 9 h 19 min
